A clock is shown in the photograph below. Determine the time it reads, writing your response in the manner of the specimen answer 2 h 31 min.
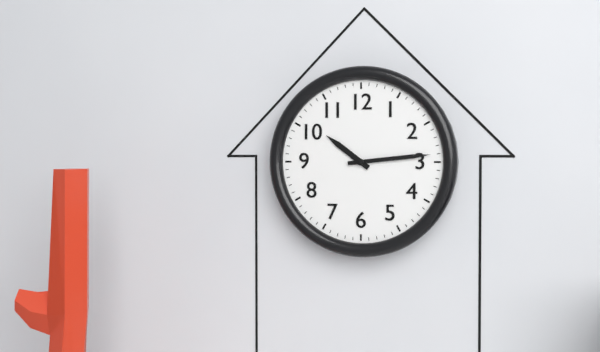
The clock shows 10 h 14 min
